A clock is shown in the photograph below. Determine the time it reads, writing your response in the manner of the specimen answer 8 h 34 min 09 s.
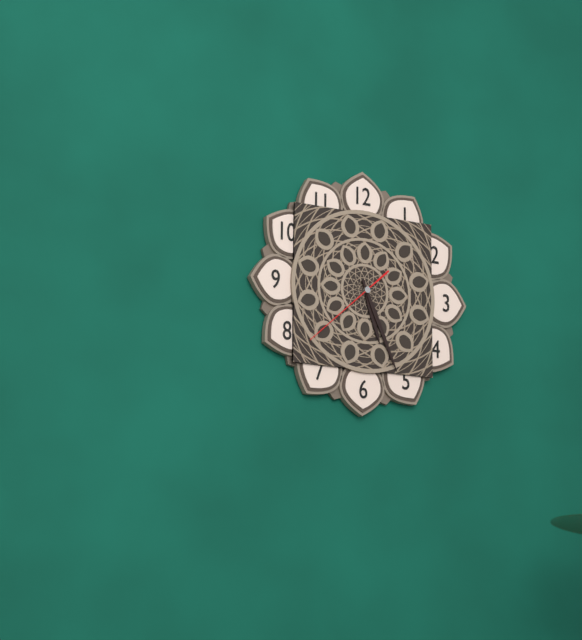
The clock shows 5 h 26 min 38 s
